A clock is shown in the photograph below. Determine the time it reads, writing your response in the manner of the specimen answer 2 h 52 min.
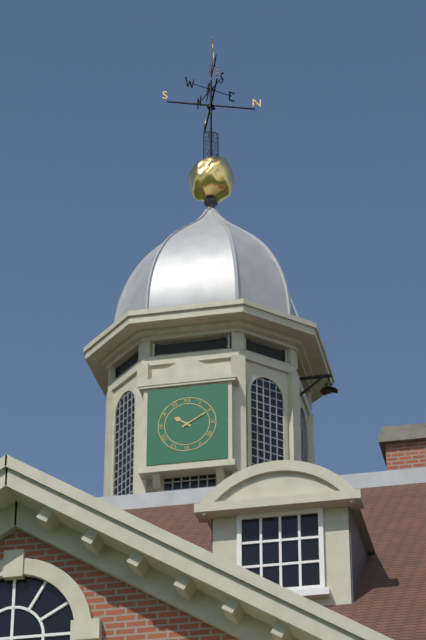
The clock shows 10 h 10 min
